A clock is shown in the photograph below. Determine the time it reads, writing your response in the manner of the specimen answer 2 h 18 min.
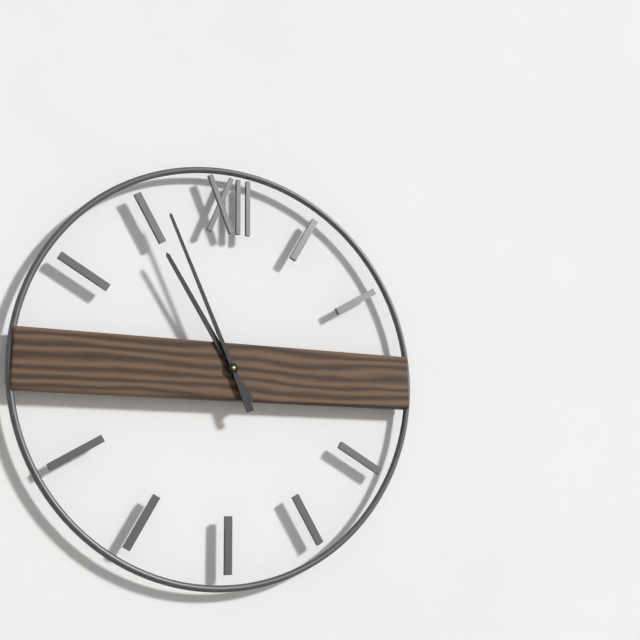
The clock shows 10 h 56 min
